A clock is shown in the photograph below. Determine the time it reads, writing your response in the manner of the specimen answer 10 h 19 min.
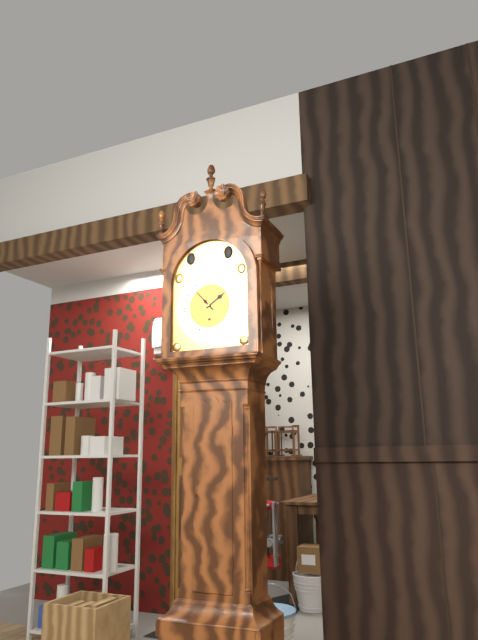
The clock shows 1 h 53 min
